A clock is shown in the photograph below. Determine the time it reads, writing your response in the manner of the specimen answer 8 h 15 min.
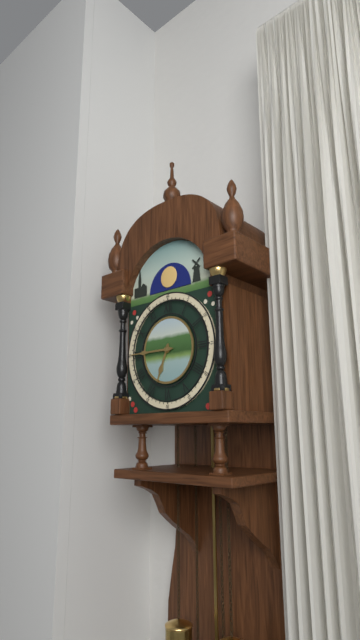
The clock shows 6 h 45 min
